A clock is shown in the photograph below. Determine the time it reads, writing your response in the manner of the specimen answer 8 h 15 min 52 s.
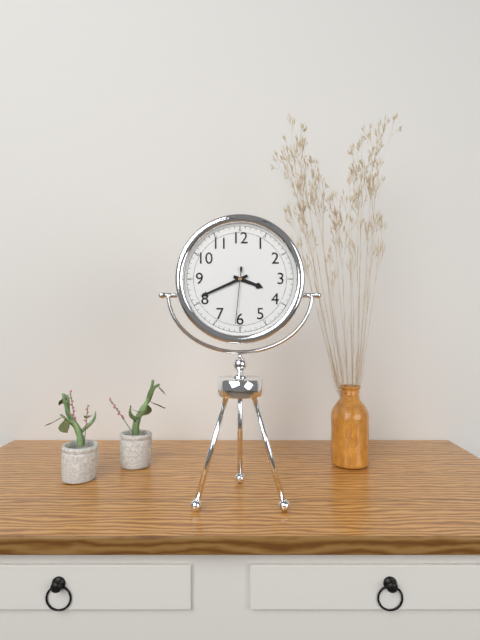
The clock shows 3 h 41 min 31 s
